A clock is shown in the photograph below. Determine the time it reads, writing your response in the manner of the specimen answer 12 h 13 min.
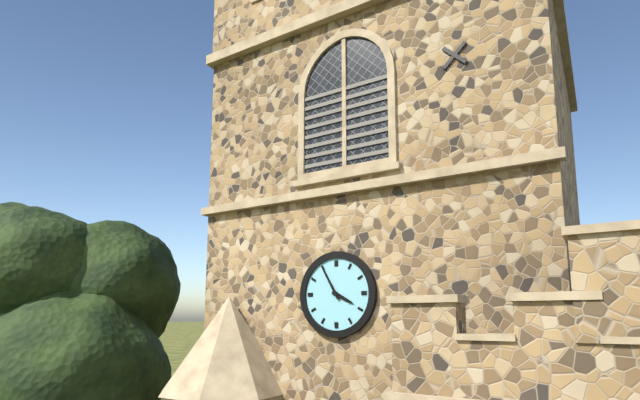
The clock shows 3 h 55 min
